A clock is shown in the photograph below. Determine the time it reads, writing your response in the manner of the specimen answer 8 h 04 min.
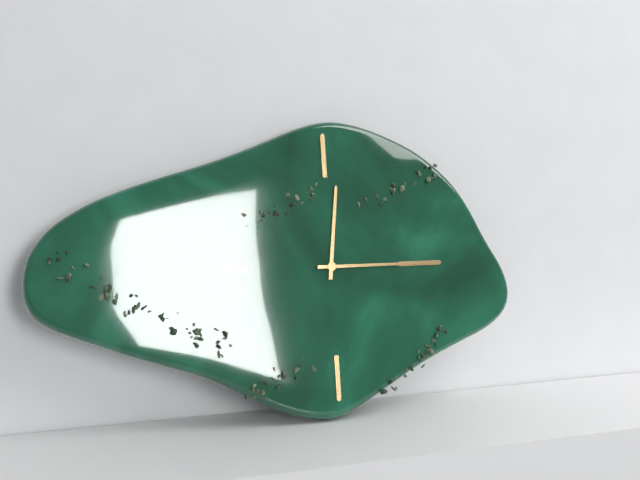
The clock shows 12 h 15 min
